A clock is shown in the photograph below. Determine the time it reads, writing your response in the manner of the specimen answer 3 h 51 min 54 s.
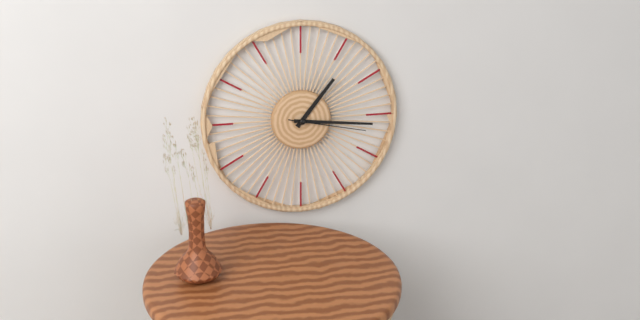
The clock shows 1 h 16 min 17 s
